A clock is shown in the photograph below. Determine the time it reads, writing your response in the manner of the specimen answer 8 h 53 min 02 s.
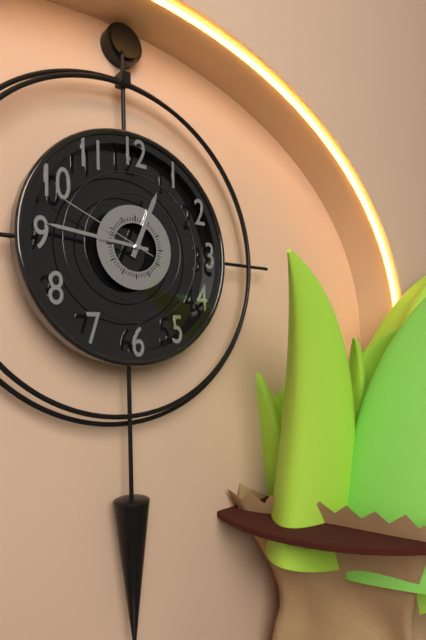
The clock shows 12 h 46 min 49 s
